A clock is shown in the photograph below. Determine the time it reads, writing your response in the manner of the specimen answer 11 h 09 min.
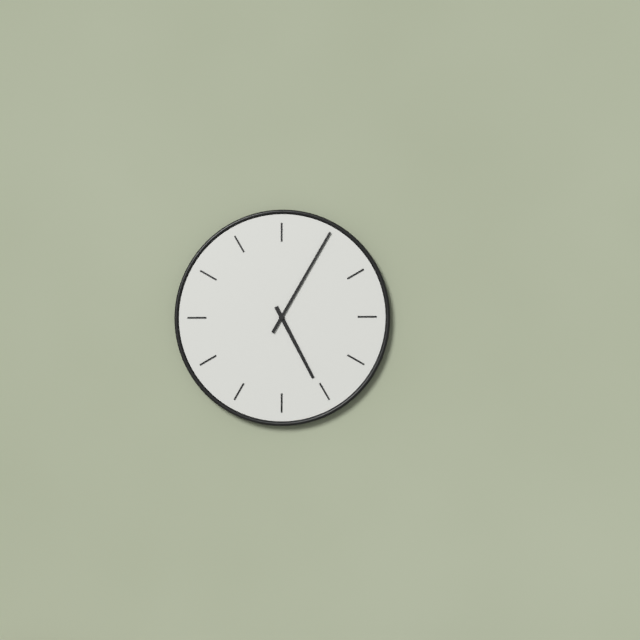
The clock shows 5 h 05 min
